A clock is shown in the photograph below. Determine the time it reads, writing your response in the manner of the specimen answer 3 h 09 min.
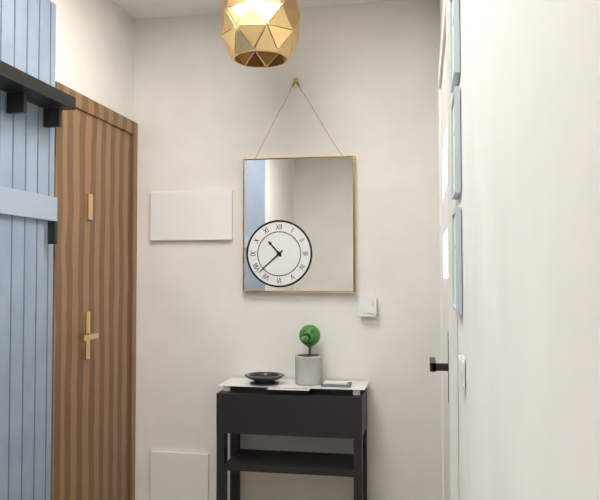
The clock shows 10 h 38 min
